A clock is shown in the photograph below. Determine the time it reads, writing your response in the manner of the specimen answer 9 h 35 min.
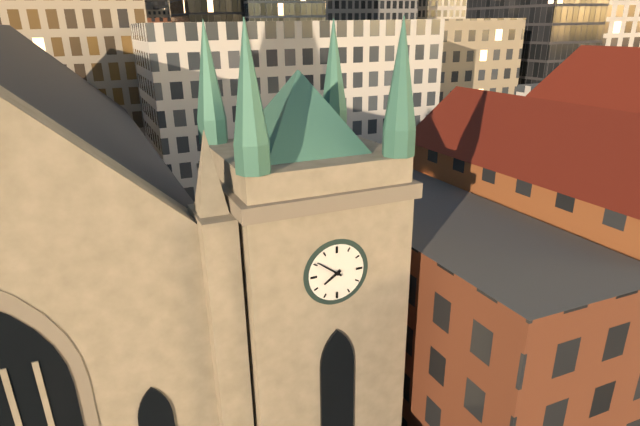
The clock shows 7 h 51 min
